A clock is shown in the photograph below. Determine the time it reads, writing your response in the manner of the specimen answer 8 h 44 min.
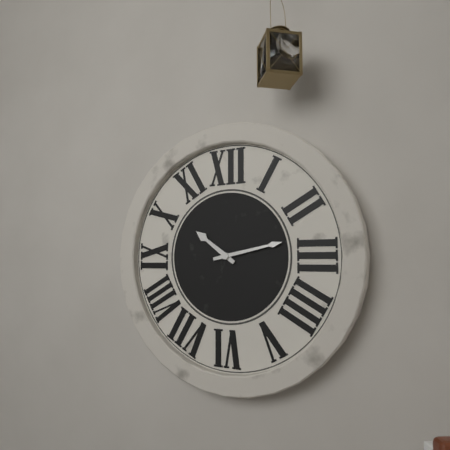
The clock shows 10 h 13 min
